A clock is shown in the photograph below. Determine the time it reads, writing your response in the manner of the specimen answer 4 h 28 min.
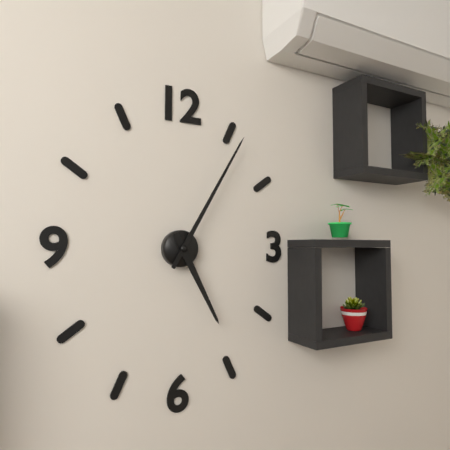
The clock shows 5 h 05 min
